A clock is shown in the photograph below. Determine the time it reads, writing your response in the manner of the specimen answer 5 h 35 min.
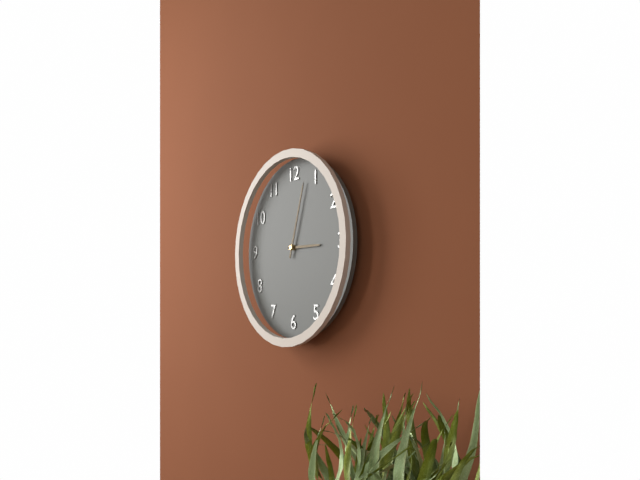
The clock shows 3 h 03 min
